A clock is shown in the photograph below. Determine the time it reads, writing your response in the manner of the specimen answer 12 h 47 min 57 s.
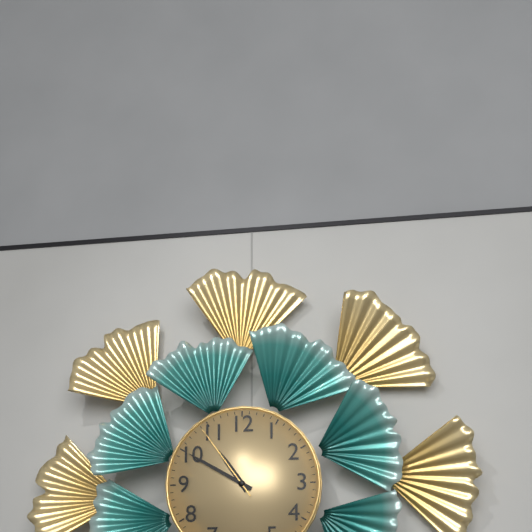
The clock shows 10 h 50 min 54 s
